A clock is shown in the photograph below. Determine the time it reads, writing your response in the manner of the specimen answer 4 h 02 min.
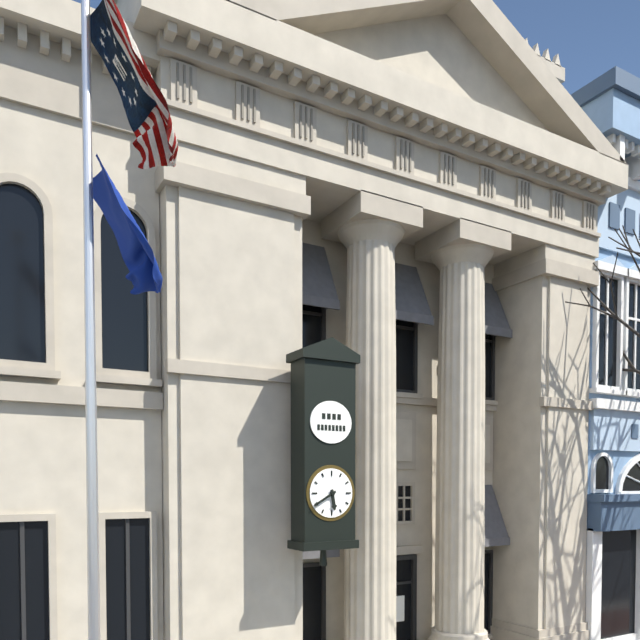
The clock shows 5 h 40 min
